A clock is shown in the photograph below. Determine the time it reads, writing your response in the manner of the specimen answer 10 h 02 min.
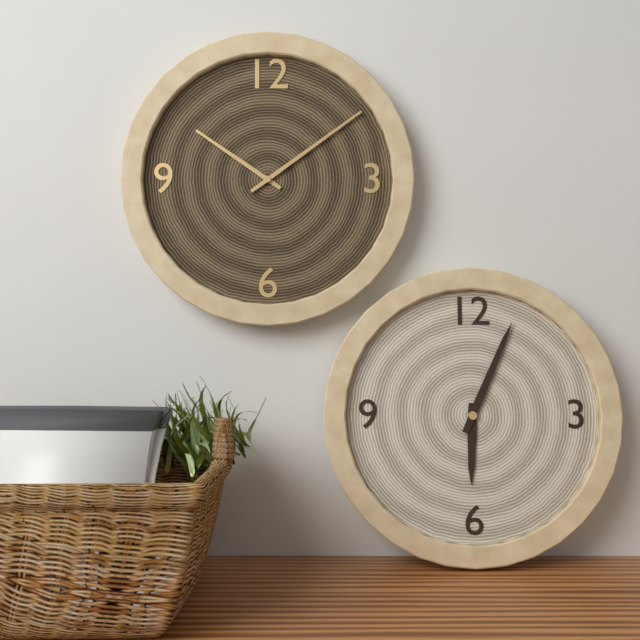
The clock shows 6 h 04 min
